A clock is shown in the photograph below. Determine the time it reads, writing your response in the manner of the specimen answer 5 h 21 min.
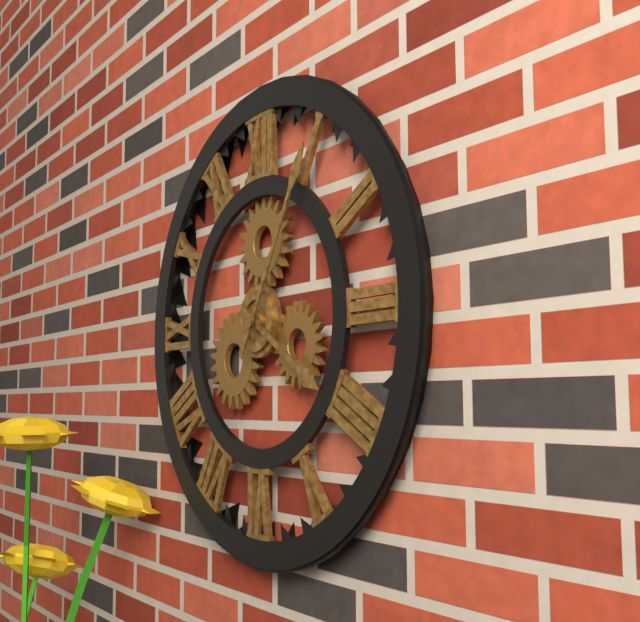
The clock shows 4 h 05 min
